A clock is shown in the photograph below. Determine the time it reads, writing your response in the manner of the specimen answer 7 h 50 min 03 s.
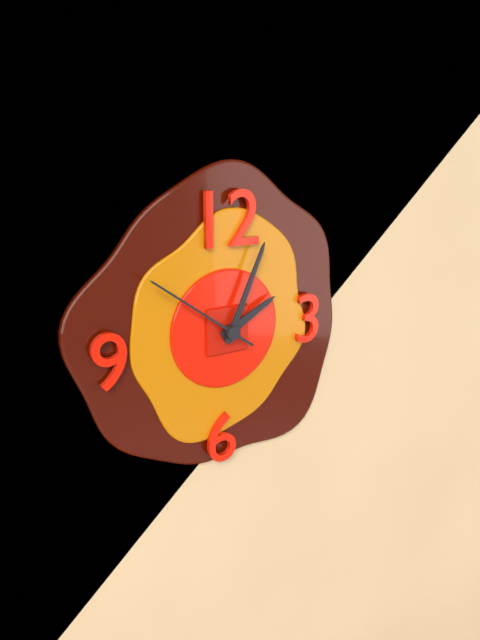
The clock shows 2 h 04 min 51 s
